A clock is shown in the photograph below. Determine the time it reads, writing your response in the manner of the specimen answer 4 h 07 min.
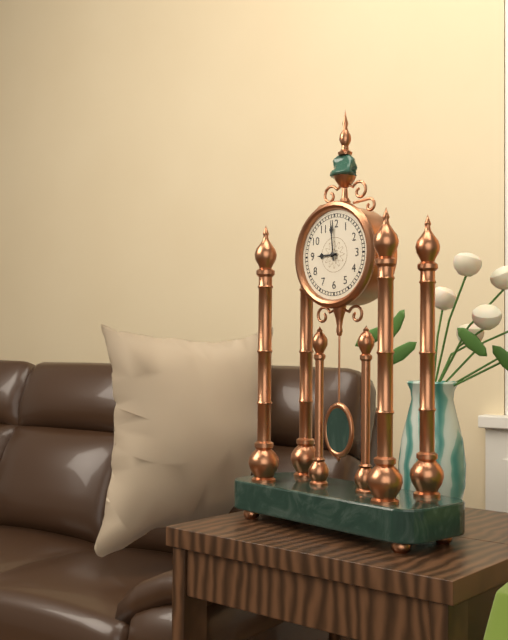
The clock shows 8 h 59 min
